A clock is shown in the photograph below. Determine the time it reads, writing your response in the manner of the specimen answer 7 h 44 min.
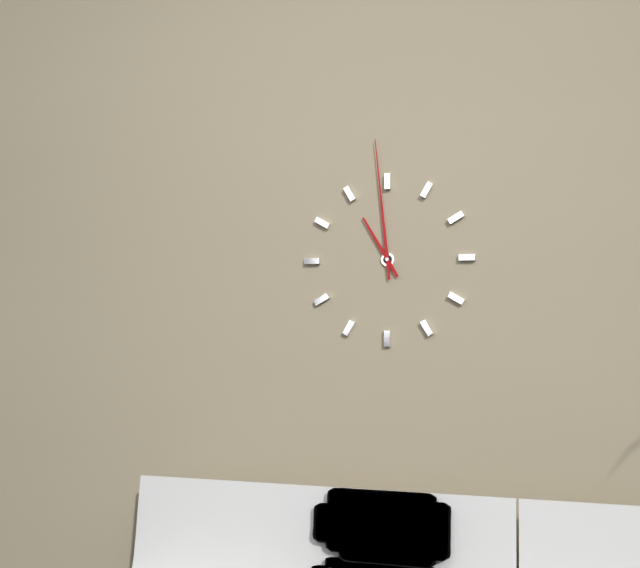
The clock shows 10 h 59 min
